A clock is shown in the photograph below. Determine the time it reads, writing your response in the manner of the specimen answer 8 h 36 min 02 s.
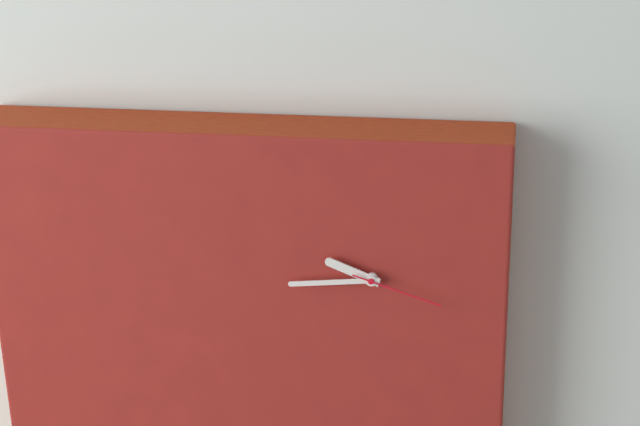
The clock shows 9 h 44 min 18 s
